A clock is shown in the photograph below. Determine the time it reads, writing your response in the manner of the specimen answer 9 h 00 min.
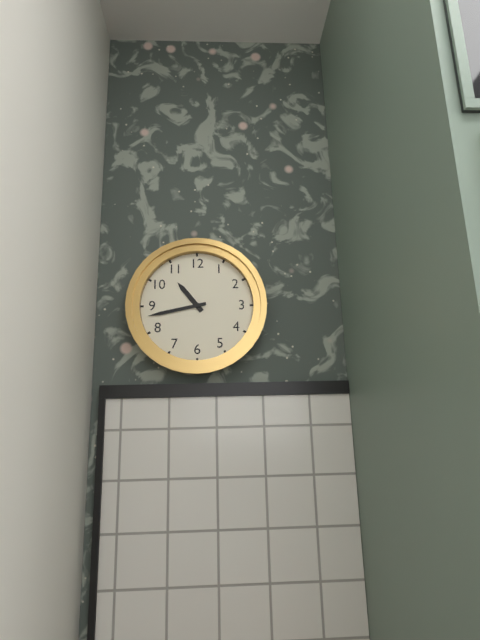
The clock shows 10 h 43 min
